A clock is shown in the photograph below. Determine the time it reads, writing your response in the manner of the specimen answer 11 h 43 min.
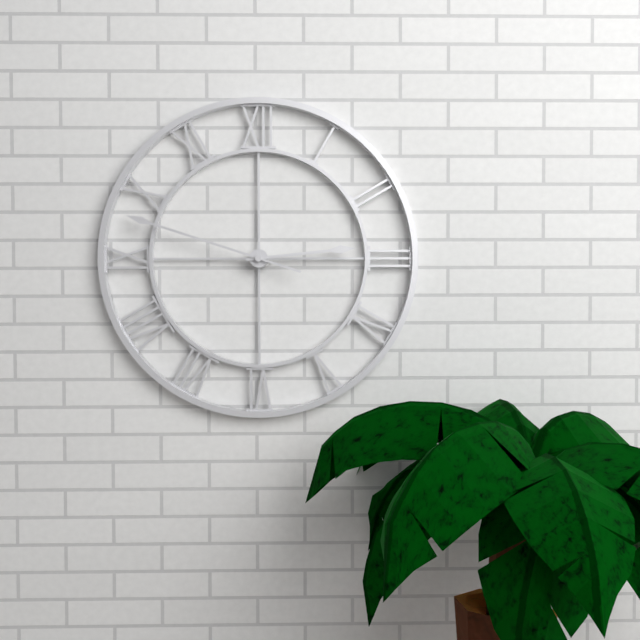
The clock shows 2 h 48 min
